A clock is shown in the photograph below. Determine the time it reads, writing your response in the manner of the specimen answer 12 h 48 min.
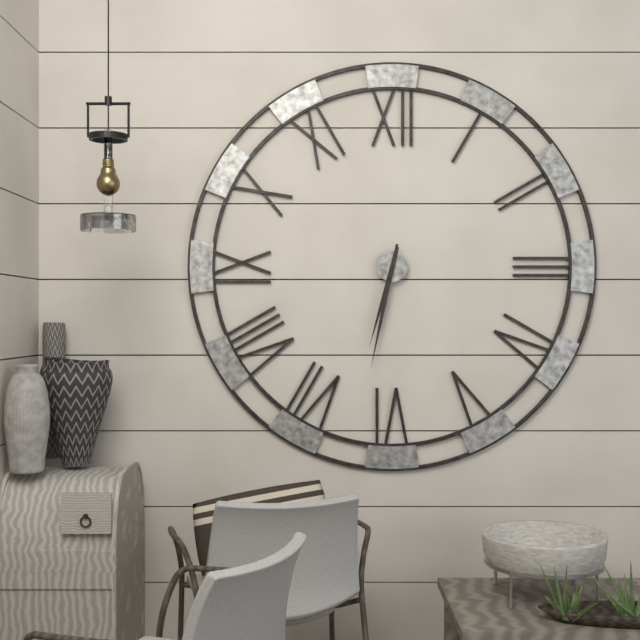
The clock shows 6 h 32 min
